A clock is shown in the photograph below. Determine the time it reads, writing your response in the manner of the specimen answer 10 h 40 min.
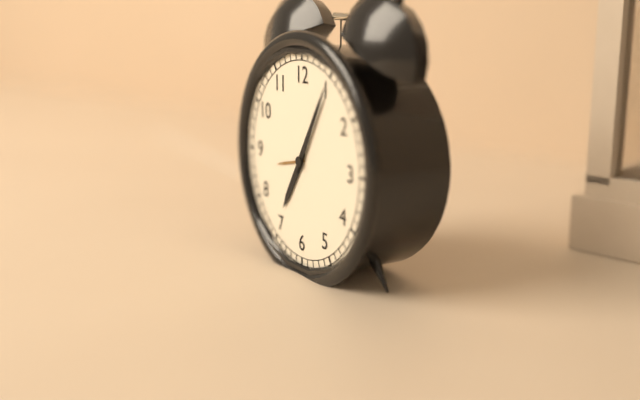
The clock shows 7 h 05 min
